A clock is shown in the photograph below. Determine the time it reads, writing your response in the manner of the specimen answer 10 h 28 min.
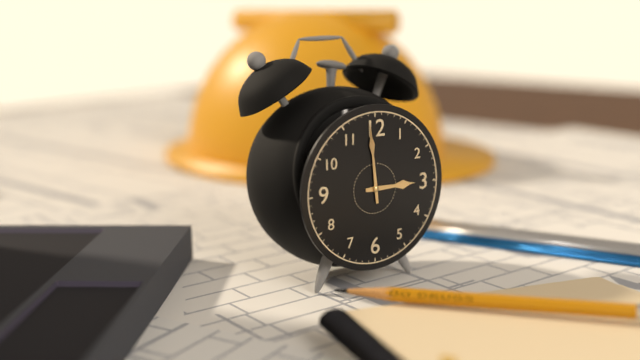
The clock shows 2 h 59 min
